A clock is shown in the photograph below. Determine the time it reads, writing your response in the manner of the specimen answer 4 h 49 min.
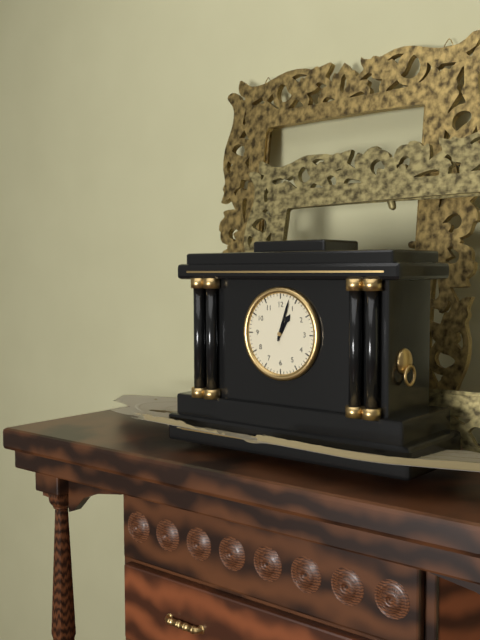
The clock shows 1 h 03 min
